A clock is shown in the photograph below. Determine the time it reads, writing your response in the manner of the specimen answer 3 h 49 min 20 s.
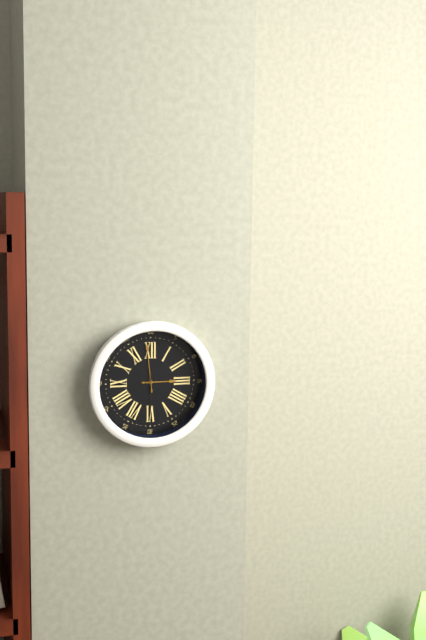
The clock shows 2 h 59 min 30 s
